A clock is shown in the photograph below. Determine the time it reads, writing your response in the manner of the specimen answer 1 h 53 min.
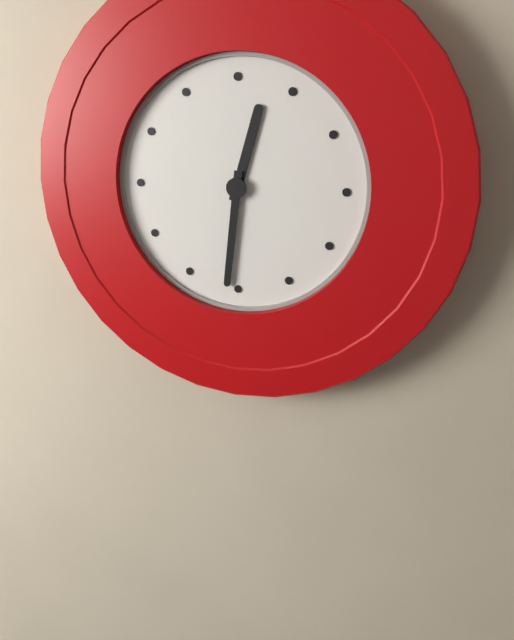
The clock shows 12 h 31 min
